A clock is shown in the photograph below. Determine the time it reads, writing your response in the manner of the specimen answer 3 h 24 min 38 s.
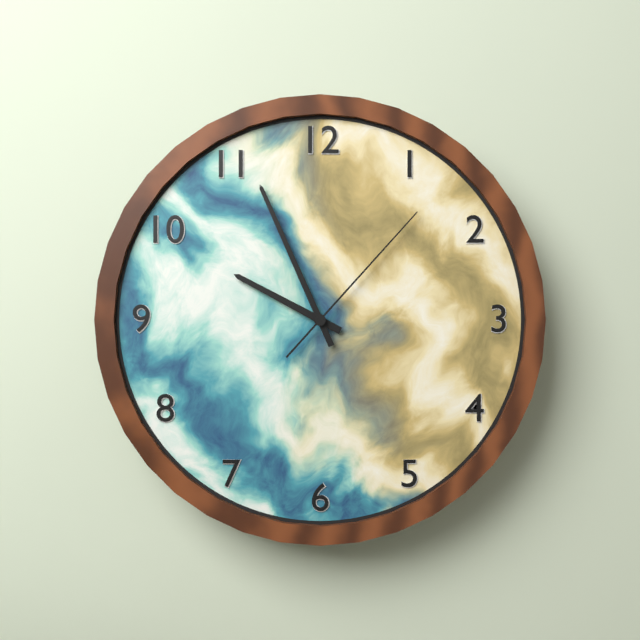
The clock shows 9 h 56 min 07 s
